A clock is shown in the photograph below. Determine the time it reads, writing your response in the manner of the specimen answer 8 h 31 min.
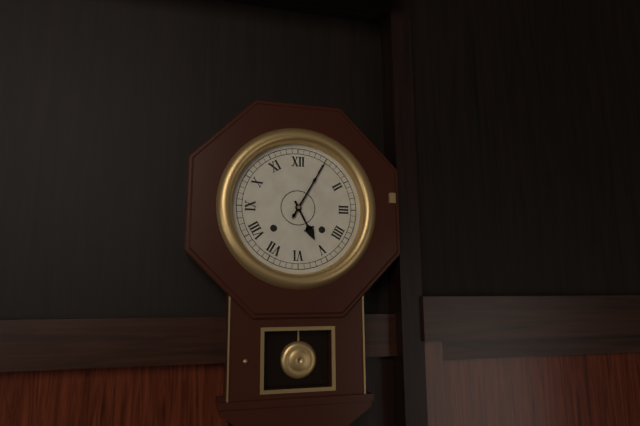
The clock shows 5 h 05 min
